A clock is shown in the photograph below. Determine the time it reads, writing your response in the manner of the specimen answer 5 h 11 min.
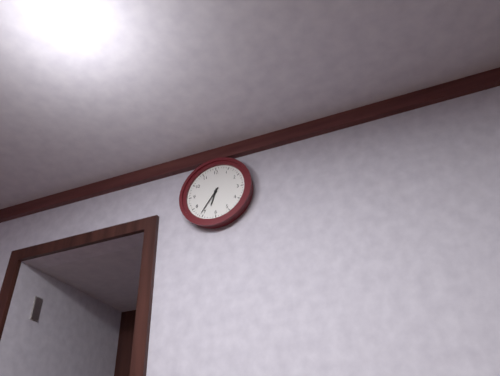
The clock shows 6 h 36 min
